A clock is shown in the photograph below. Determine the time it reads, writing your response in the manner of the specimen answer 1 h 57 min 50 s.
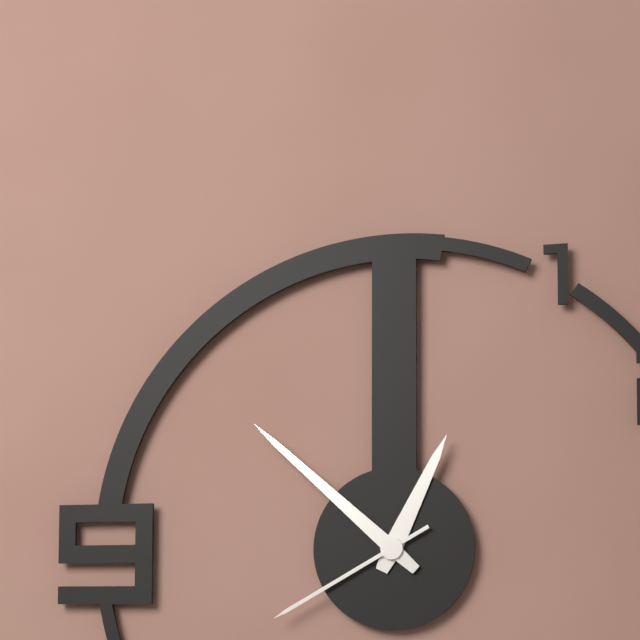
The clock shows 12 h 52 min 40 s
